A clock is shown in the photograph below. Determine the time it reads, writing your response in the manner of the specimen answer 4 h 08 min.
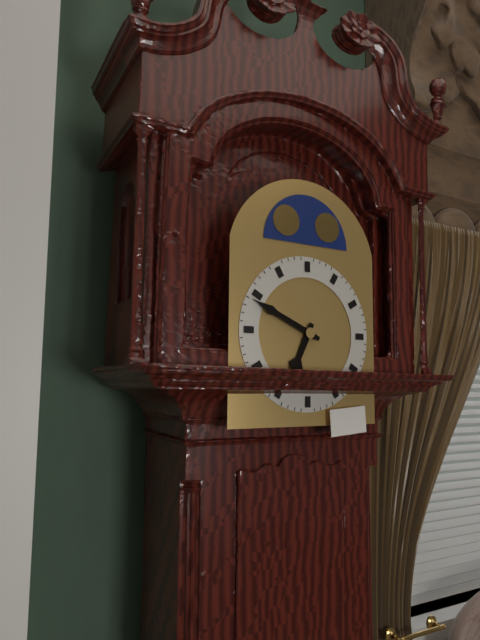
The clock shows 6 h 49 min
